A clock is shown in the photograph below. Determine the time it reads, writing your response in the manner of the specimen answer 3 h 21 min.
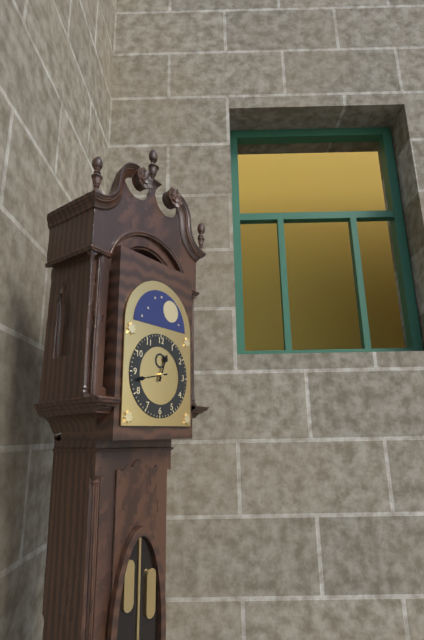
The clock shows 12 h 43 min
